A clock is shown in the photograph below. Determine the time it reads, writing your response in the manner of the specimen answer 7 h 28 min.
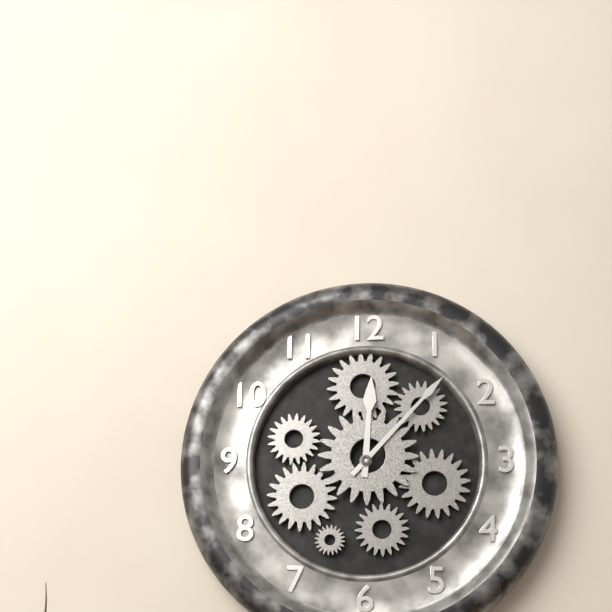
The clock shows 12 h 07 min
